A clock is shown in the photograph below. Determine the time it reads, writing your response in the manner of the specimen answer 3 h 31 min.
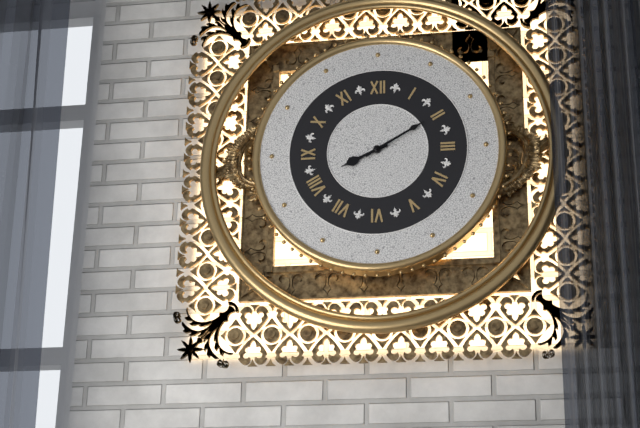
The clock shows 8 h 10 min
